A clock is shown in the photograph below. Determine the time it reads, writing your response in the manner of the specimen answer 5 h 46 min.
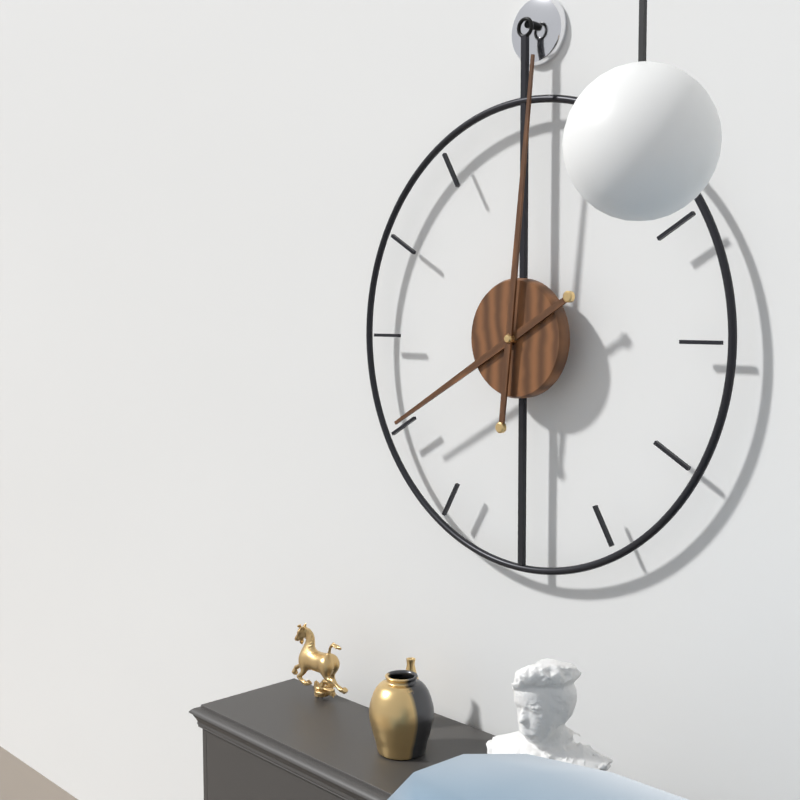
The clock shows 8 h 01 min
